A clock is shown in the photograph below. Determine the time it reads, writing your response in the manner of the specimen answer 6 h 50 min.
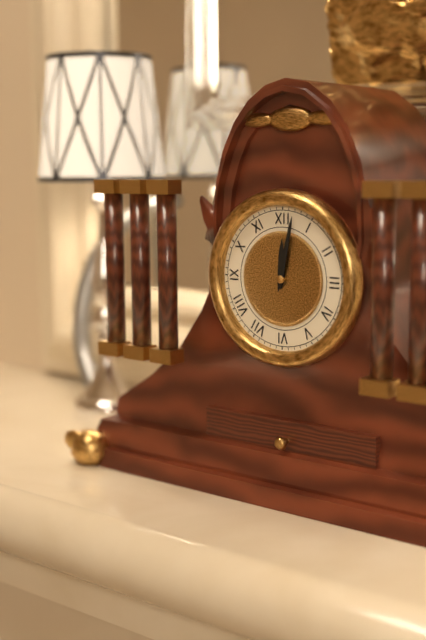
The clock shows 12 h 02 min
